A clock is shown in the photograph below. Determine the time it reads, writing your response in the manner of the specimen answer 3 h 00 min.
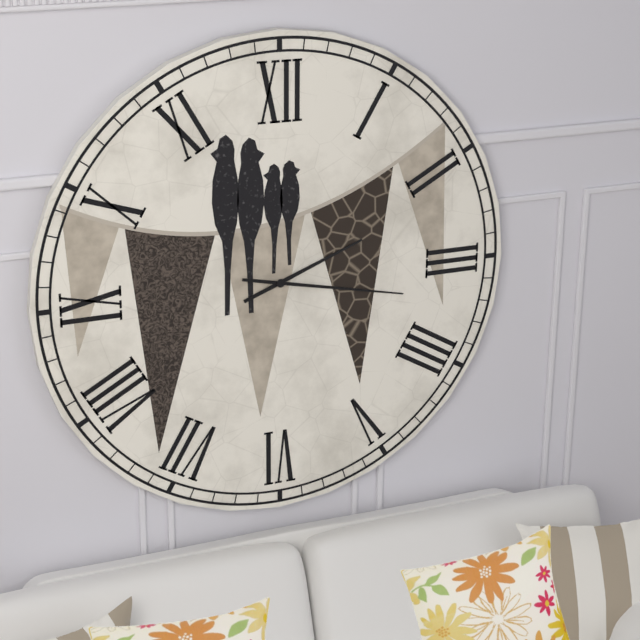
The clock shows 2 h 17 min
